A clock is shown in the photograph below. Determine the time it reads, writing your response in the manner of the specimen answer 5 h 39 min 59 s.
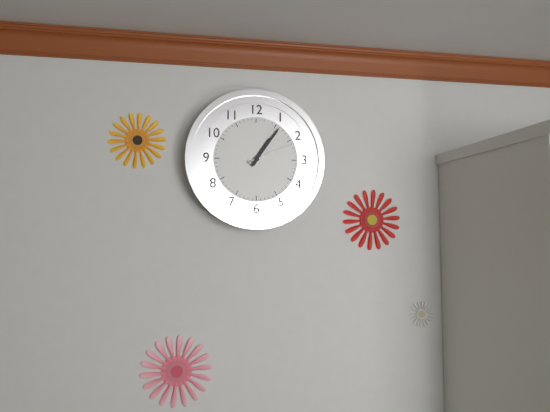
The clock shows 1 h 06 min 11 s
